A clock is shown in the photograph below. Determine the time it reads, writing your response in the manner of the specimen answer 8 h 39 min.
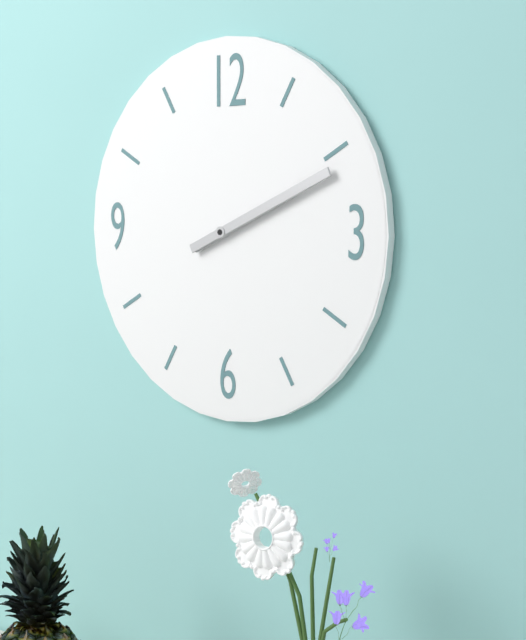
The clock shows 2 h 11 min
